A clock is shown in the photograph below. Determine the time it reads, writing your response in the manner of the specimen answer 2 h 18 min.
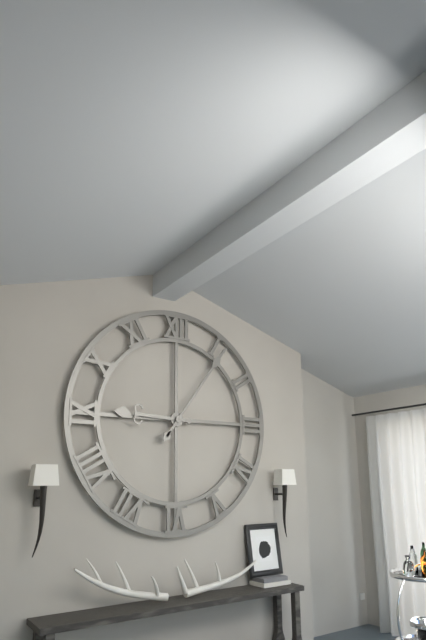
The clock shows 9 h 06 min
